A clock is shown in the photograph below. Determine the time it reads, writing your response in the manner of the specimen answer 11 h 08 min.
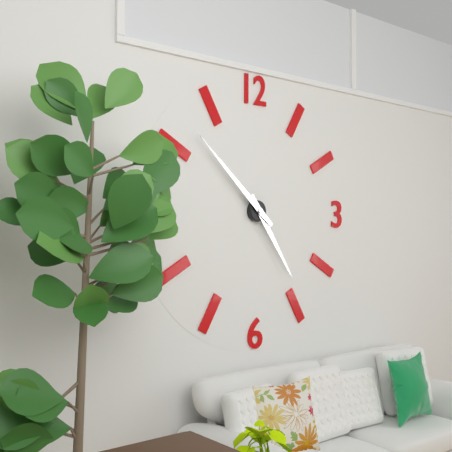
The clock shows 4 h 52 min
